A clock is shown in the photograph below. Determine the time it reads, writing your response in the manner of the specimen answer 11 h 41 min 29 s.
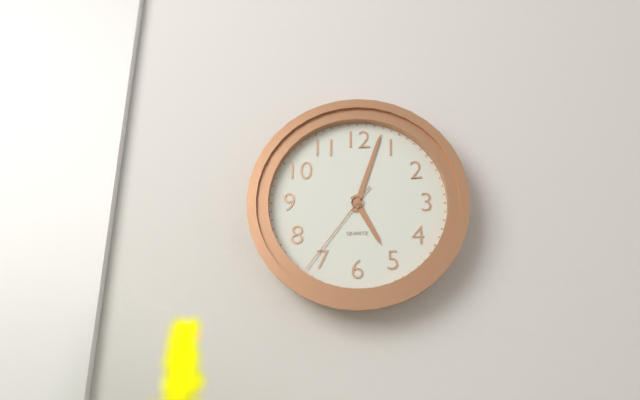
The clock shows 5 h 03 min 36 s
